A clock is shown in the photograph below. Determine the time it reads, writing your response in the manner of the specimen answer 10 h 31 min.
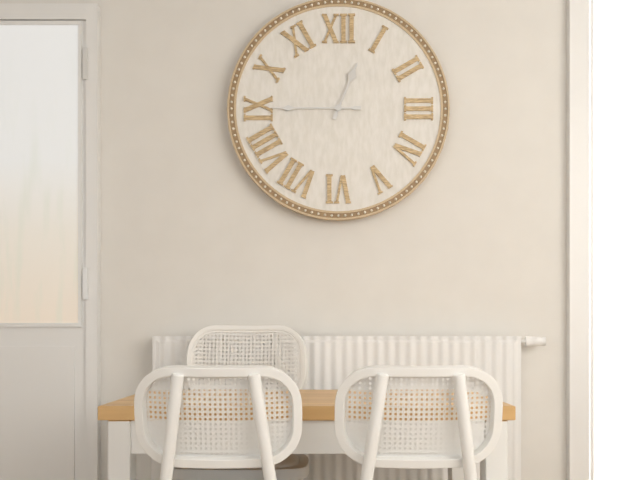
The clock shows 12 h 45 min
